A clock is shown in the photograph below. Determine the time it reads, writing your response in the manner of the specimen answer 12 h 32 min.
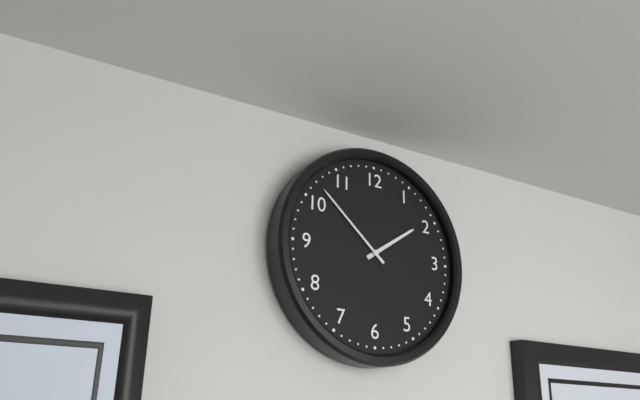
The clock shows 1 h 52 min
